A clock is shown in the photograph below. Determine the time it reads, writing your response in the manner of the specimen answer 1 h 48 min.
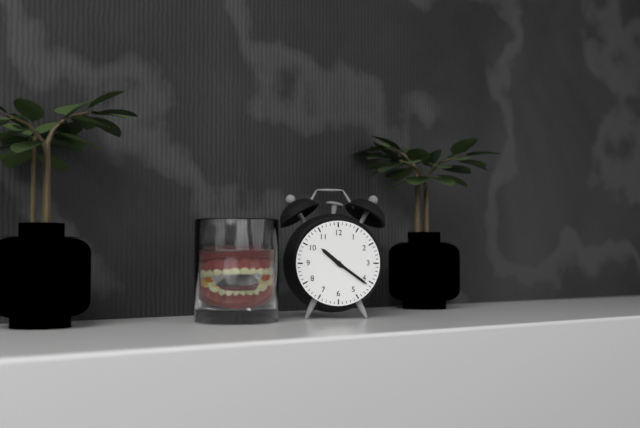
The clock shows 10 h 21 min
